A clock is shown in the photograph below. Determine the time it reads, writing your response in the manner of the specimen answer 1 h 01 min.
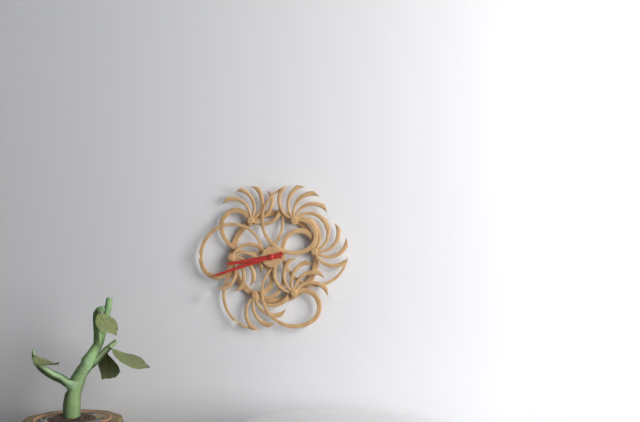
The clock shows 8 h 42 min
